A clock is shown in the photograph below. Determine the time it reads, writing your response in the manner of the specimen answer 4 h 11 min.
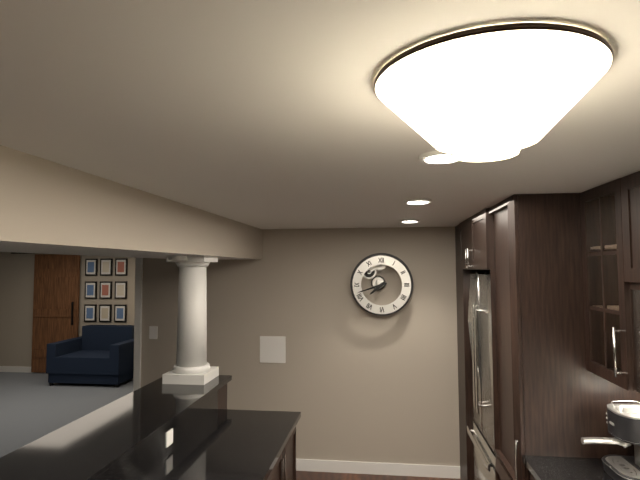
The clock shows 7 h 42 min
